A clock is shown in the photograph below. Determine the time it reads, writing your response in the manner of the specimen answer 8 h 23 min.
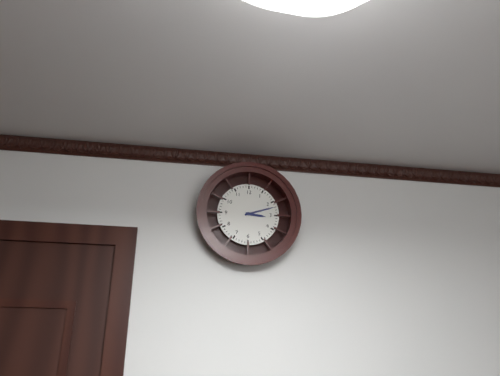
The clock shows 3 h 12 min
